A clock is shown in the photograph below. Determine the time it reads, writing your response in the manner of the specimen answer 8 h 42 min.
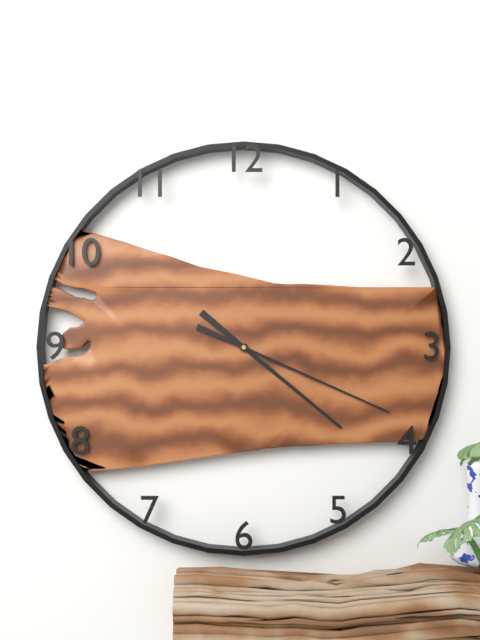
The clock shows 4 h 19 min
